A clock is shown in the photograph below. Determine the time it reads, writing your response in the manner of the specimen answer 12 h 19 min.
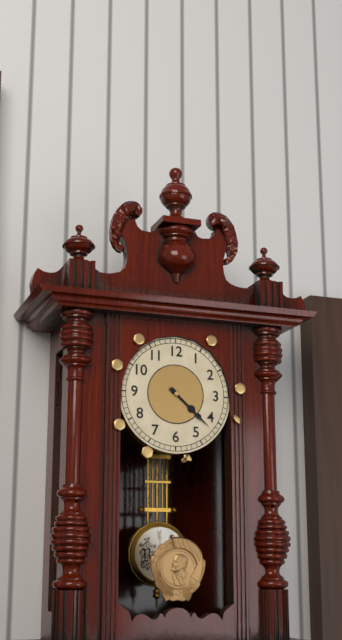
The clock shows 4 h 22 min
